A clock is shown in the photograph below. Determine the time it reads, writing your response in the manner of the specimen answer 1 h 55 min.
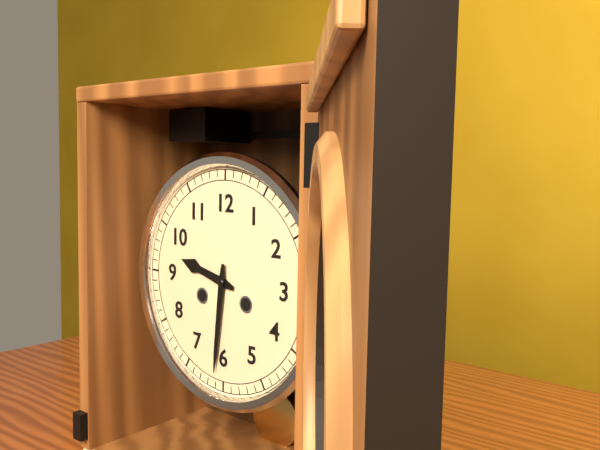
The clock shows 9 h 31 min
